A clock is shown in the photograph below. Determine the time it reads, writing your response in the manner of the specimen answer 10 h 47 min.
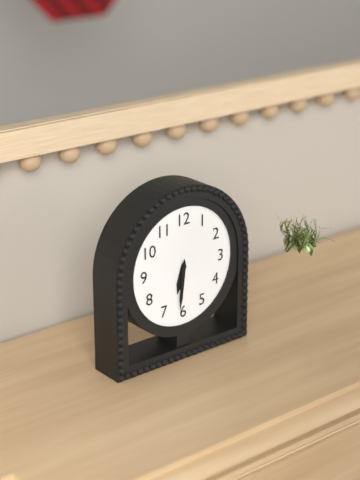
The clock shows 6 h 31 min
